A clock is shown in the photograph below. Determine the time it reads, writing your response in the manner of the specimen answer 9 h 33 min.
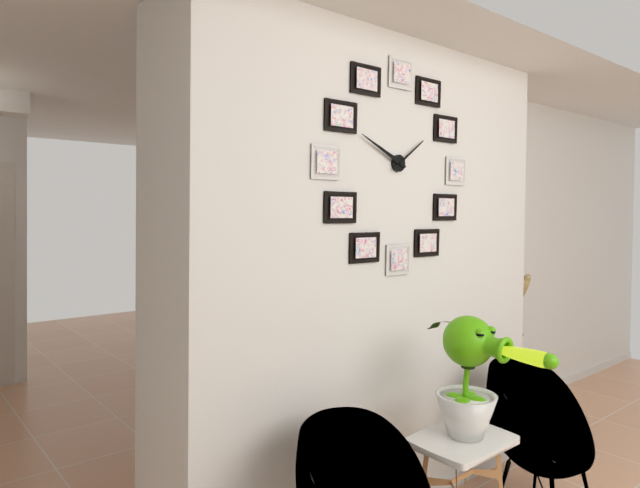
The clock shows 1 h 49 min
